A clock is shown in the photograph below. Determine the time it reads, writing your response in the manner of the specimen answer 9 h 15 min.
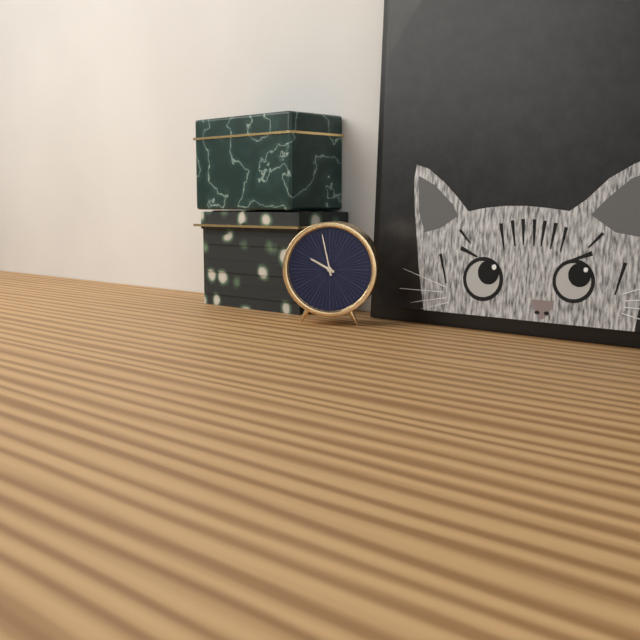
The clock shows 9 h 58 min
